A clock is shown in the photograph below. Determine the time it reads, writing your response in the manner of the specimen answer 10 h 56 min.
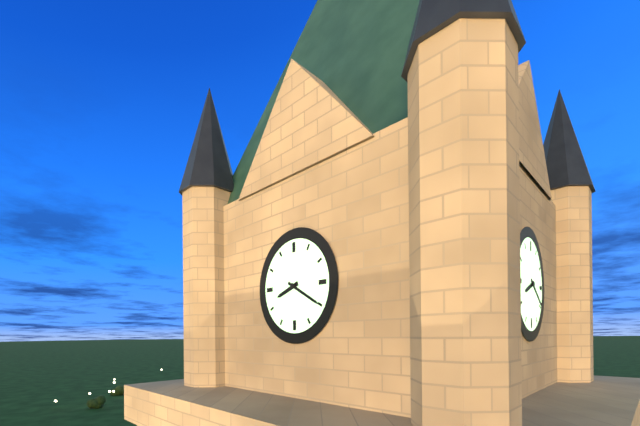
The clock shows 8 h 20 min
